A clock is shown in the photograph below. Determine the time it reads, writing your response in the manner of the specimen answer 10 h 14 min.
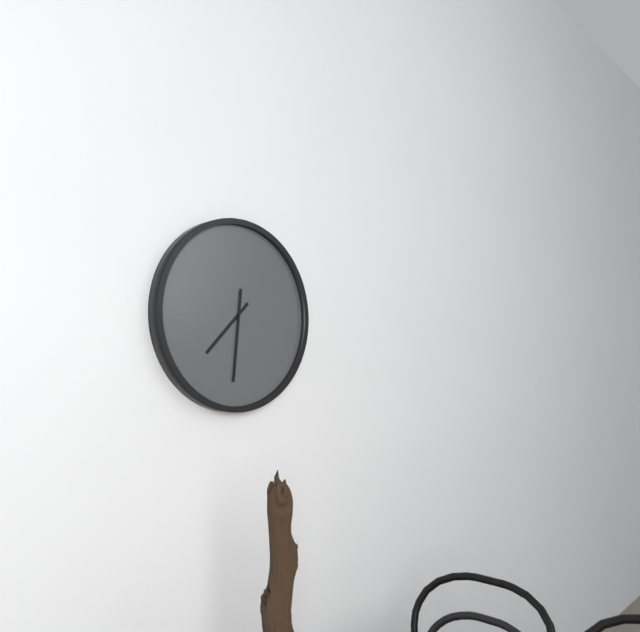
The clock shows 7 h 31 min
